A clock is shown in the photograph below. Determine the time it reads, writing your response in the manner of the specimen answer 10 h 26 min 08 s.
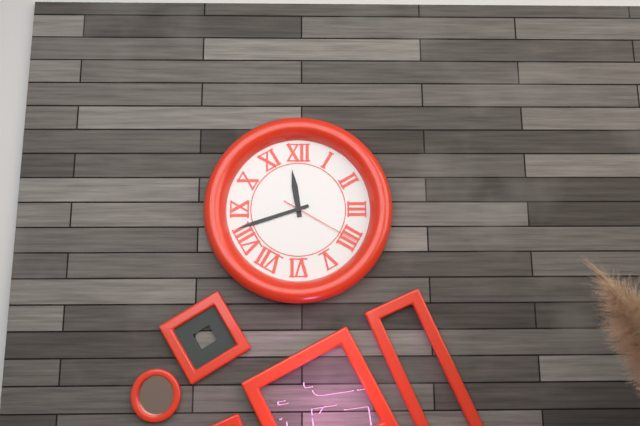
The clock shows 11 h 42 min 20 s
